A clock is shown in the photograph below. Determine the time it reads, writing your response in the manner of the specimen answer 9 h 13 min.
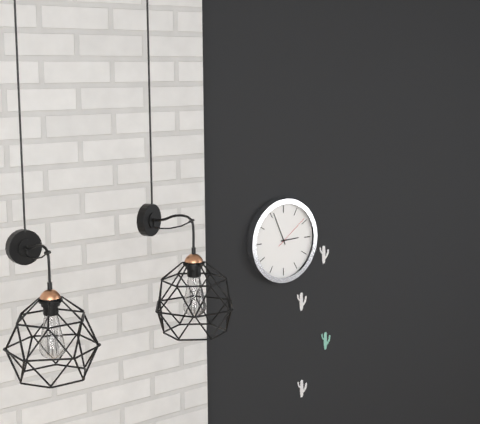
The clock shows 2 h 56 min
